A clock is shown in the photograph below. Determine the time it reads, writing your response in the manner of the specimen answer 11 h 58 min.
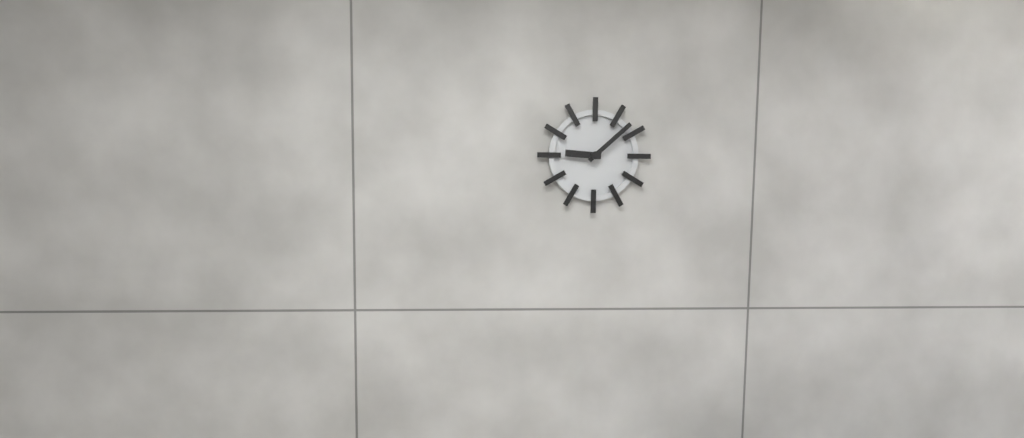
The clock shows 9 h 08 min
